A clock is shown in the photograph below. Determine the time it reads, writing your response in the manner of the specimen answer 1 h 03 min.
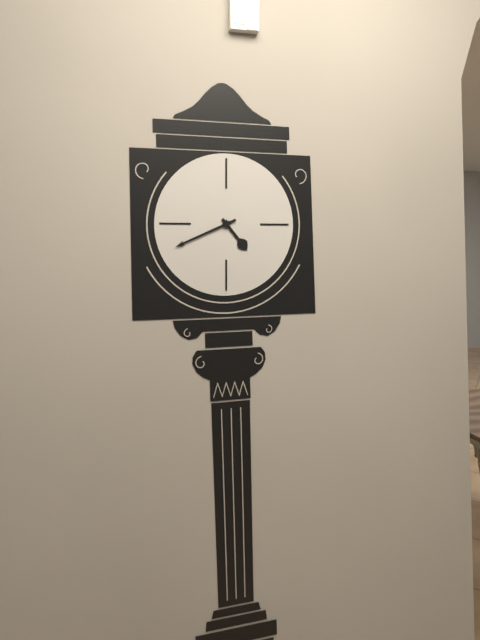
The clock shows 4 h 41 min
